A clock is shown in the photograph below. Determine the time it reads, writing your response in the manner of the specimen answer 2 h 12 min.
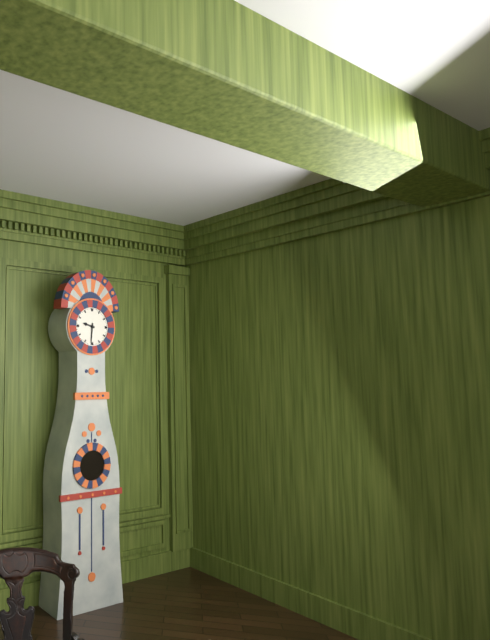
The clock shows 9 h 31 min
